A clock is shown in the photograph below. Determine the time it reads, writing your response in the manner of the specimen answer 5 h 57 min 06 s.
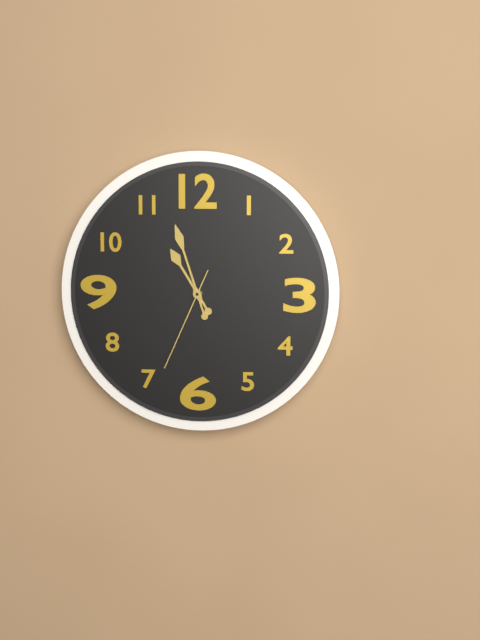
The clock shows 10 h 57 min 34 s
